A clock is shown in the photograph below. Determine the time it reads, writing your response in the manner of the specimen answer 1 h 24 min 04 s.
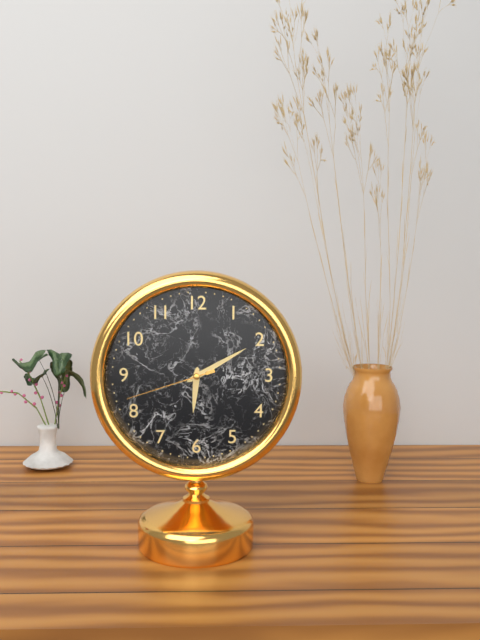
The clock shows 6 h 10 min 42 s
